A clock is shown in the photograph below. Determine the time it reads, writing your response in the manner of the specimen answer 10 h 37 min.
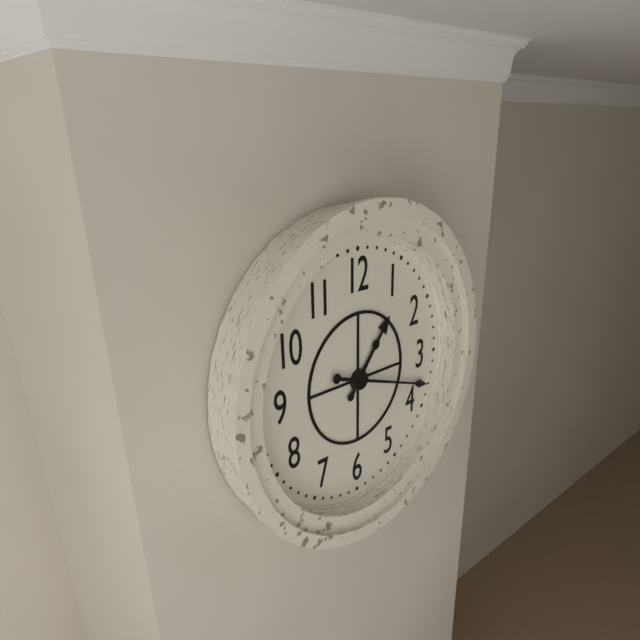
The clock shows 1 h 18 min
